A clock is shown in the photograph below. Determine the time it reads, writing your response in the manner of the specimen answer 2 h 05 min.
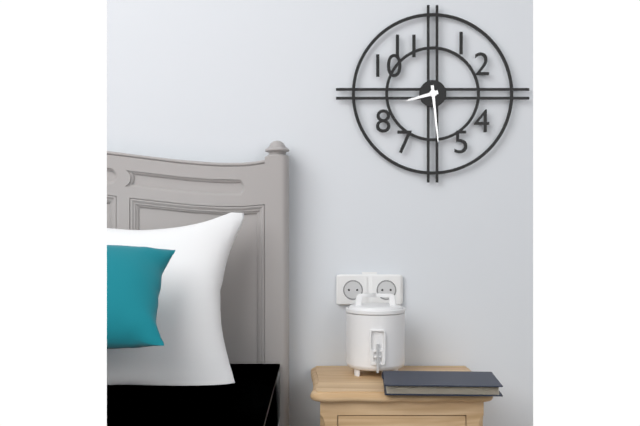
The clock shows 8 h 29 min
